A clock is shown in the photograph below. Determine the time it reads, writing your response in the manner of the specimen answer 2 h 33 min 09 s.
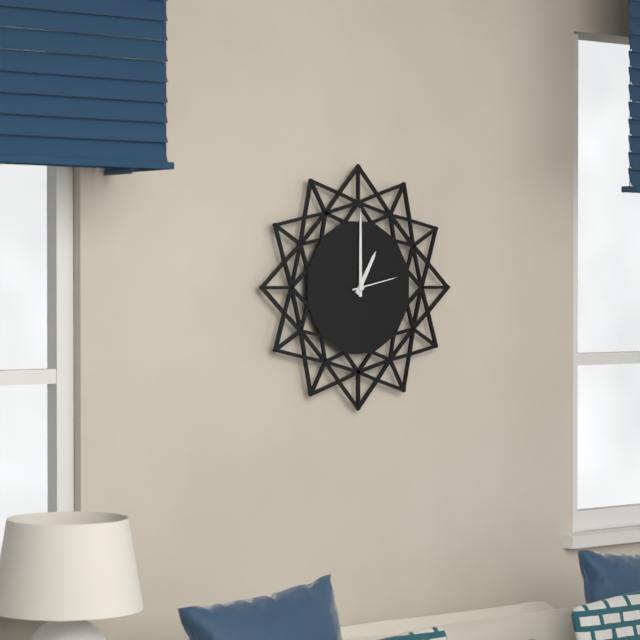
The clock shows 1 h 00 min 13 s
